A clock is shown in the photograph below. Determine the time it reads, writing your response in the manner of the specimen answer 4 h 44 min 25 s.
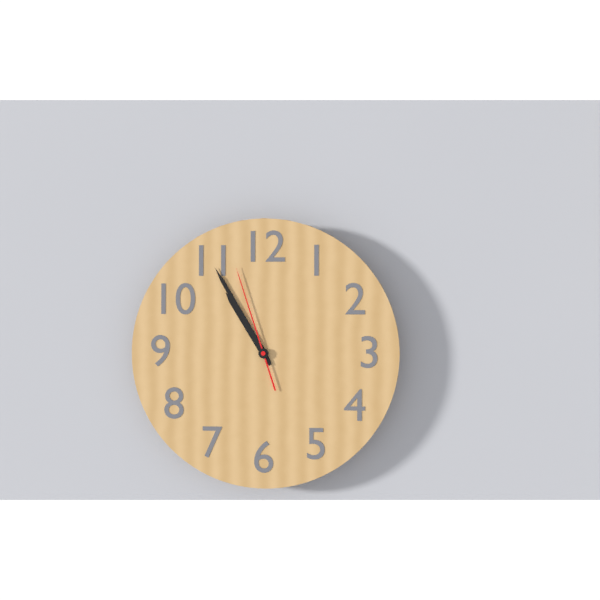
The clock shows 10 h 55 min 57 s
